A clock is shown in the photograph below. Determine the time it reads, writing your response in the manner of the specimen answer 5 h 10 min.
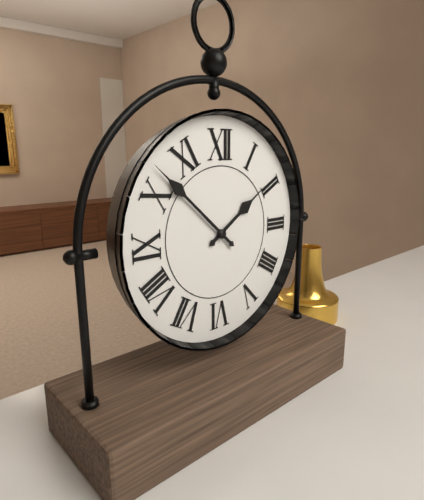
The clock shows 1 h 52 min
